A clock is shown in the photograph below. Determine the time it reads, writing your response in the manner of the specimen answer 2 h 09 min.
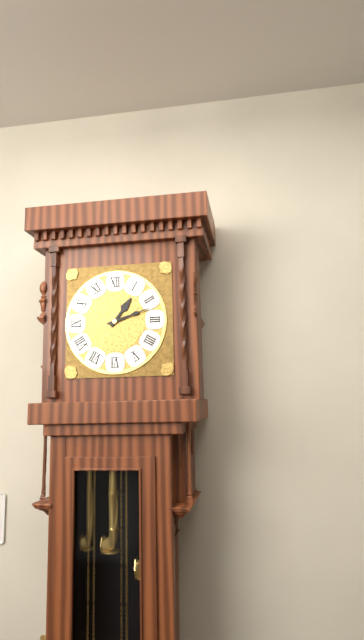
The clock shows 1 h 12 min
